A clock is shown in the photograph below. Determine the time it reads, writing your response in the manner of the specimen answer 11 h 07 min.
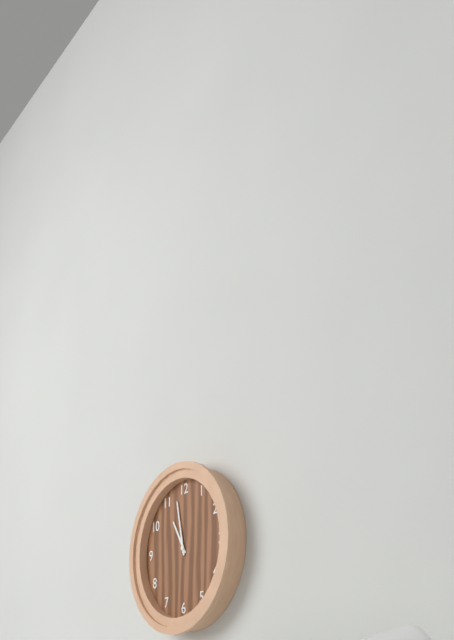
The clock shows 10 h 58 min
